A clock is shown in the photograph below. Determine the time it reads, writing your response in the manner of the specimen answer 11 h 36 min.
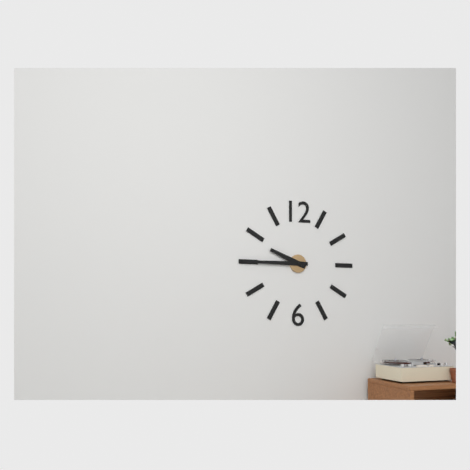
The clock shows 9 h 45 min
